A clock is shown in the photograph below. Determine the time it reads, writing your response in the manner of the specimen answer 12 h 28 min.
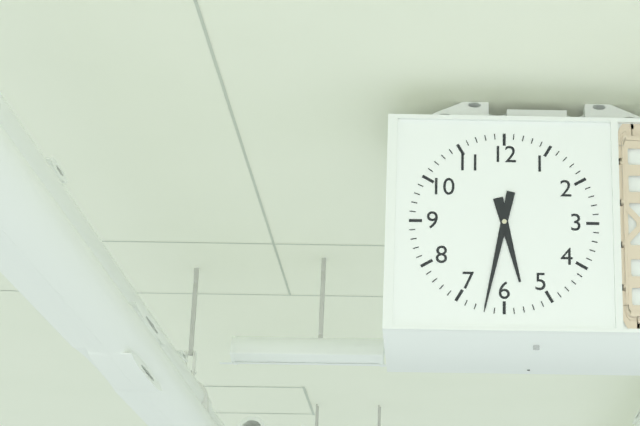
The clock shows 5 h 32 min
